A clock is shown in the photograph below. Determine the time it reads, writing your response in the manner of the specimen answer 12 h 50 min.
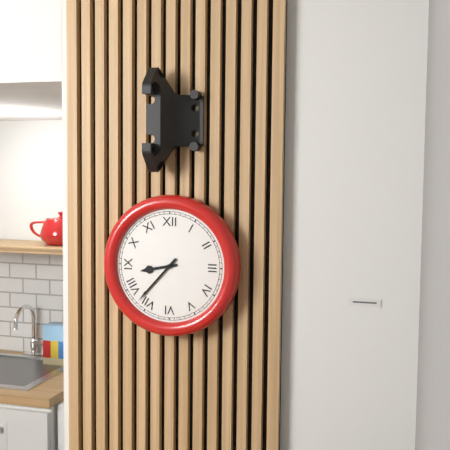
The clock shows 8 h 37 min
